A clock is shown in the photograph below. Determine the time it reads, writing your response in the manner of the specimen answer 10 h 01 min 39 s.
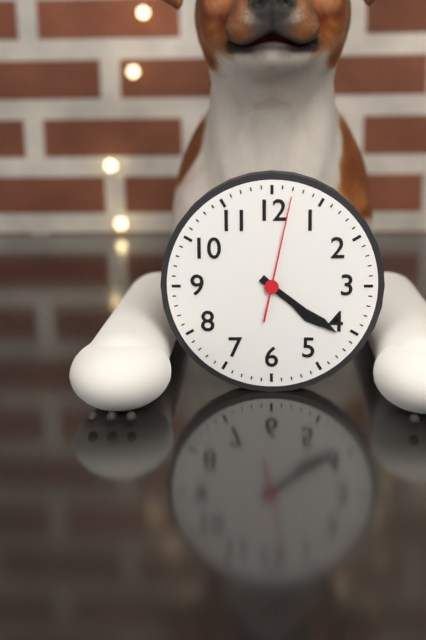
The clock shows 4 h 21 min 02 s
